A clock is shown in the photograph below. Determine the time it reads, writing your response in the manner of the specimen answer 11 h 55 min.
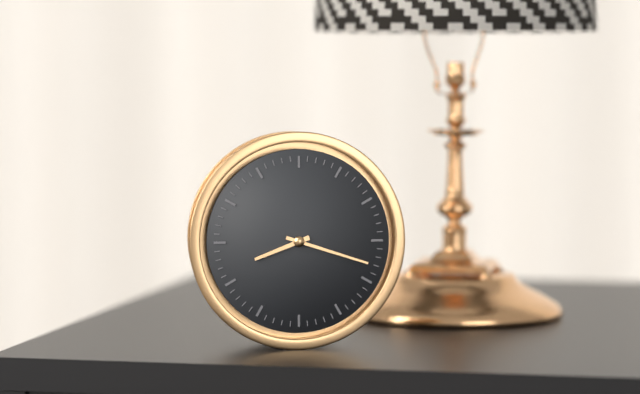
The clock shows 8 h 18 min
